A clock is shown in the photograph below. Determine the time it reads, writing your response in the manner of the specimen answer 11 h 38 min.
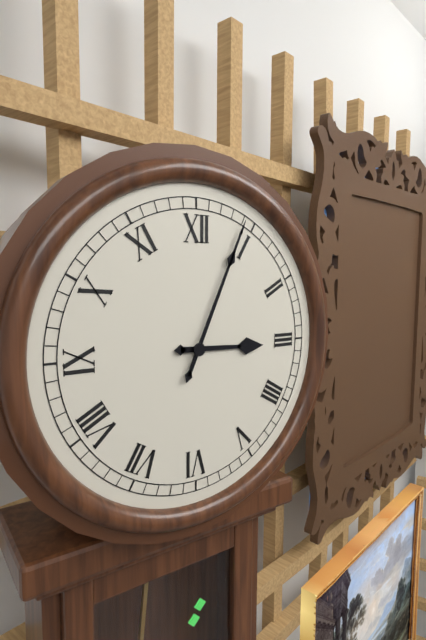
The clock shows 3 h 04 min
